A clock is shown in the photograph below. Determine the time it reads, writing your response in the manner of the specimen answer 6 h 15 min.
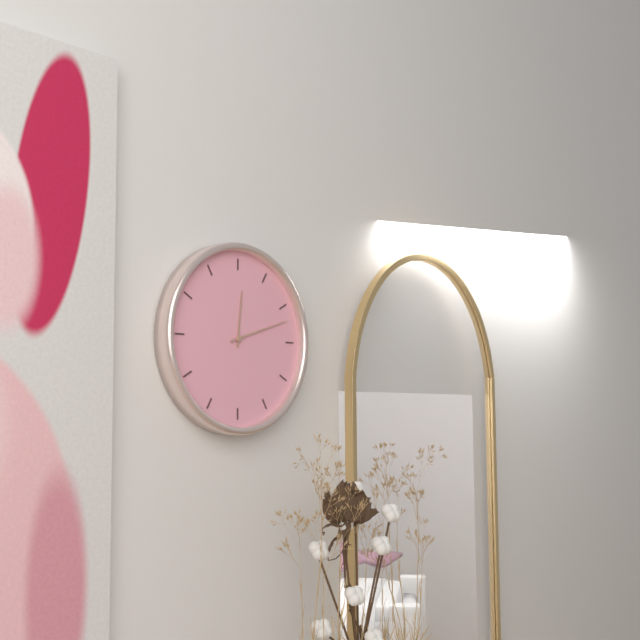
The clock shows 12 h 12 min
